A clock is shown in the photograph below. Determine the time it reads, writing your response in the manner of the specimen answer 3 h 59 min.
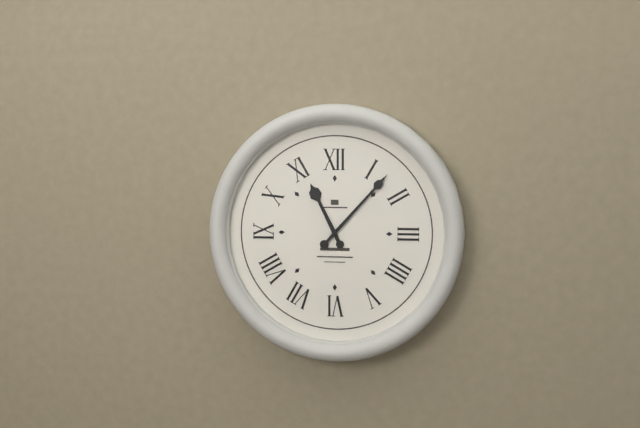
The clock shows 11 h 07 min
